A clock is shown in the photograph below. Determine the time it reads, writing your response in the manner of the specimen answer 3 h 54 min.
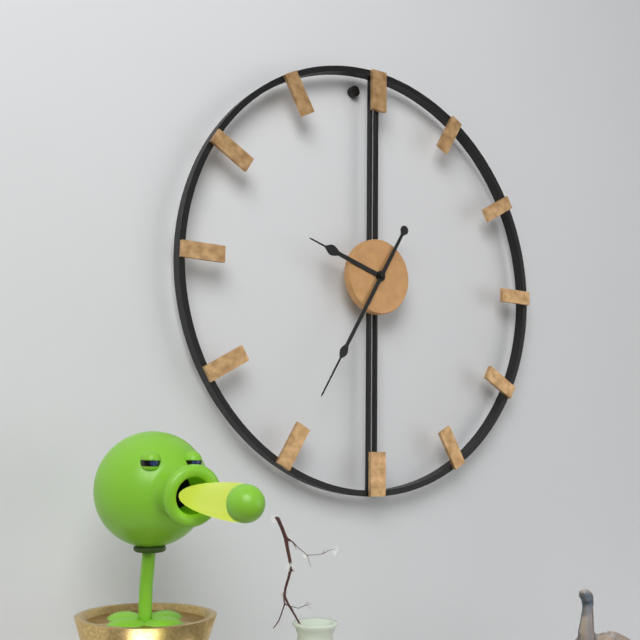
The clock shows 9 h 35 min
